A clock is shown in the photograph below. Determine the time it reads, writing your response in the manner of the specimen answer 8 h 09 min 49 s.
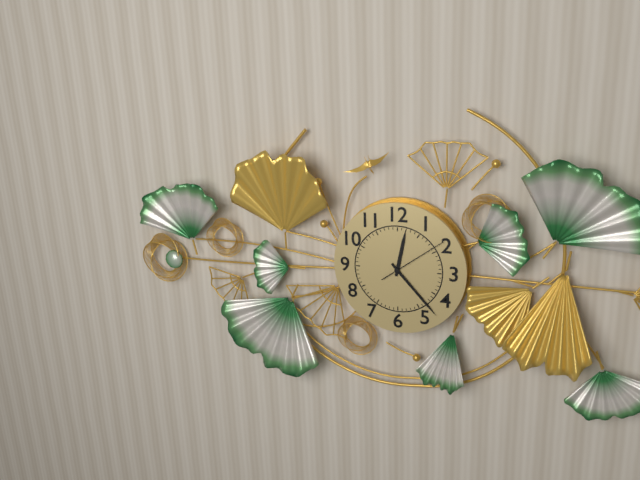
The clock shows 12 h 23 min 09 s
